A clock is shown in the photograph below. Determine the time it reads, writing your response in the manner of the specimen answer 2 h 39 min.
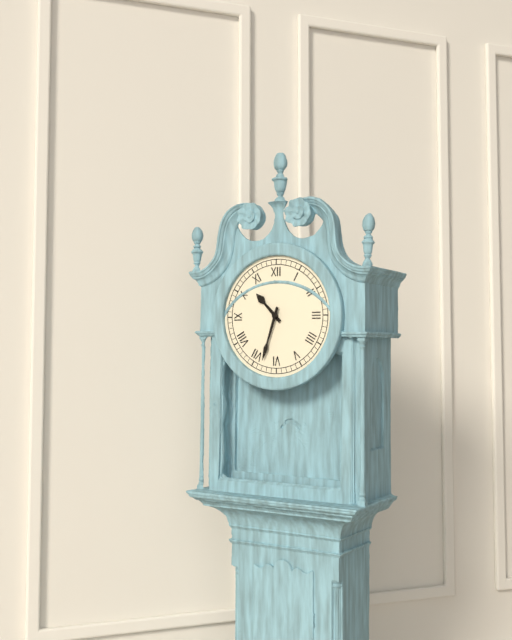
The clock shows 10 h 33 min
